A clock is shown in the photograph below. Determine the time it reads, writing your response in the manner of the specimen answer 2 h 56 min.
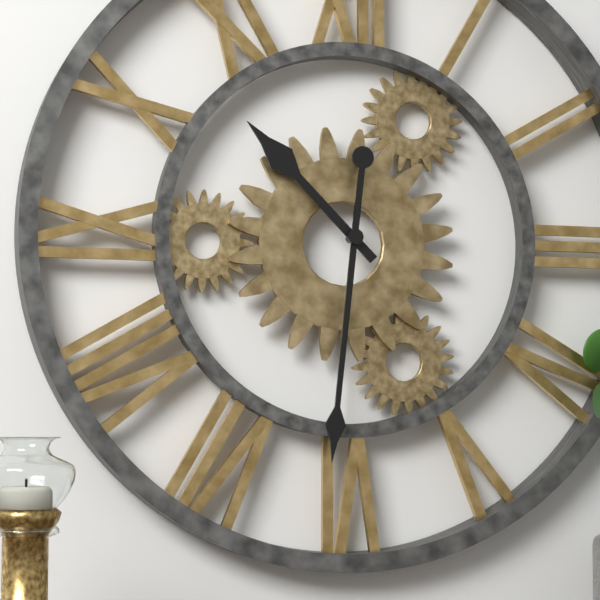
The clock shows 10 h 31 min
